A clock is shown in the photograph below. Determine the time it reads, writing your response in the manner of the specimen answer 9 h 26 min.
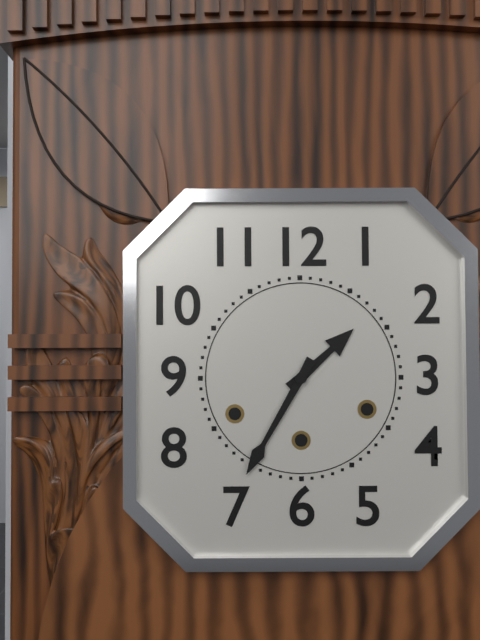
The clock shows 1 h 35 min
